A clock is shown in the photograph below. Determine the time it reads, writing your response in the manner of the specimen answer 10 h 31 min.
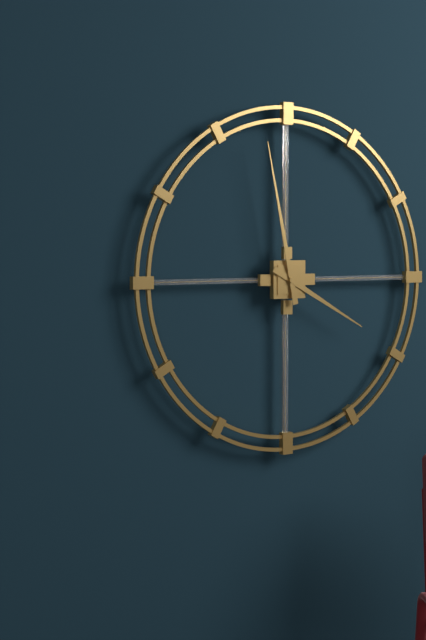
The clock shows 3 h 58 min
